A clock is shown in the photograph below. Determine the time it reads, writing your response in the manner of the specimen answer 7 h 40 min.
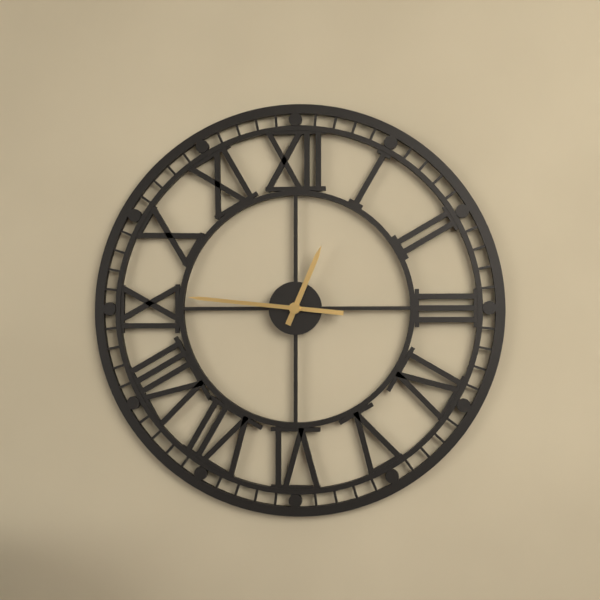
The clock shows 12 h 46 min
